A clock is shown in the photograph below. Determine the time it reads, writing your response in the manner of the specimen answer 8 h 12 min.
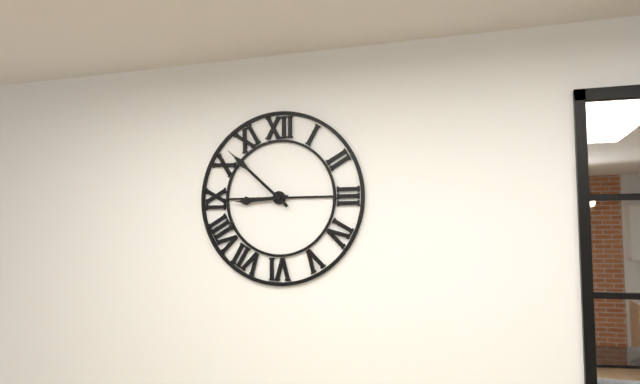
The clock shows 8 h 52 min
